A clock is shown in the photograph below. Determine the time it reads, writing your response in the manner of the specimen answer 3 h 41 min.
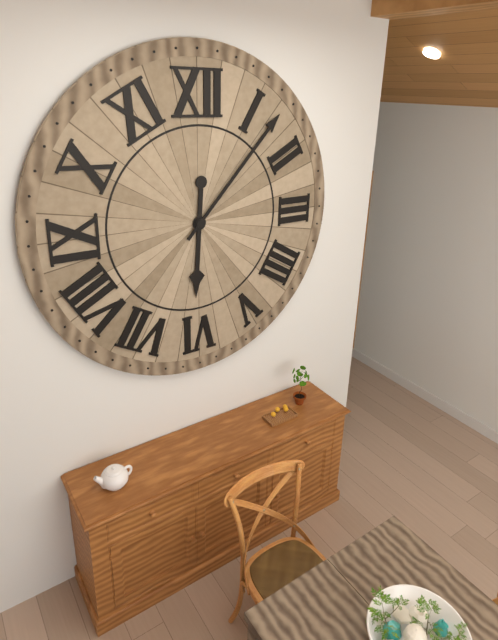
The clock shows 6 h 07 min
